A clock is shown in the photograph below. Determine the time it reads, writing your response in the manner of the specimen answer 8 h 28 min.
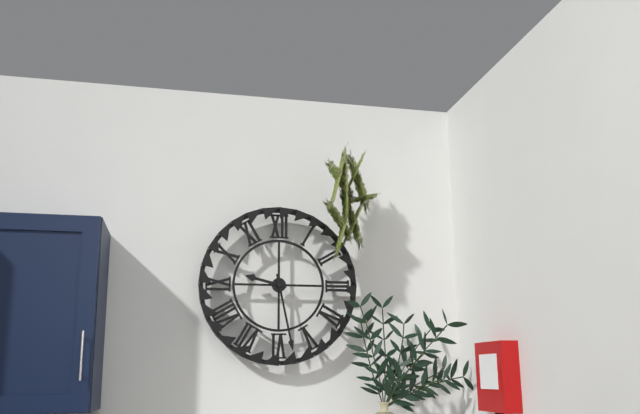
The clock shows 9 h 28 min
